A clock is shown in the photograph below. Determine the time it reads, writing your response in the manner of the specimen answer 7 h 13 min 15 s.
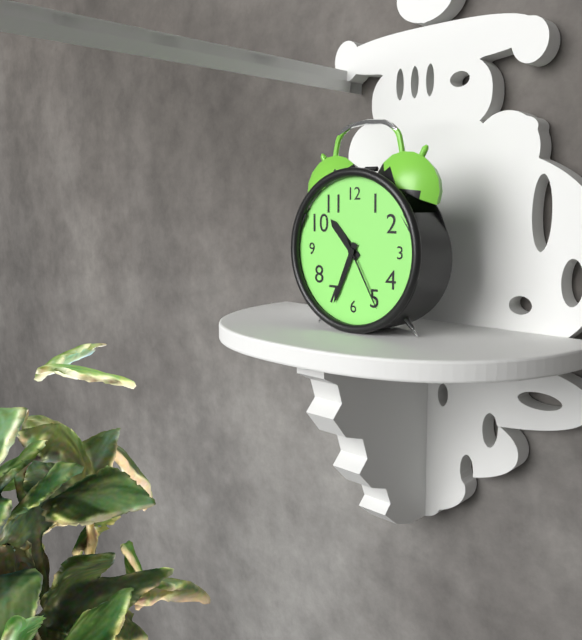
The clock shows 10 h 34 min 25 s
